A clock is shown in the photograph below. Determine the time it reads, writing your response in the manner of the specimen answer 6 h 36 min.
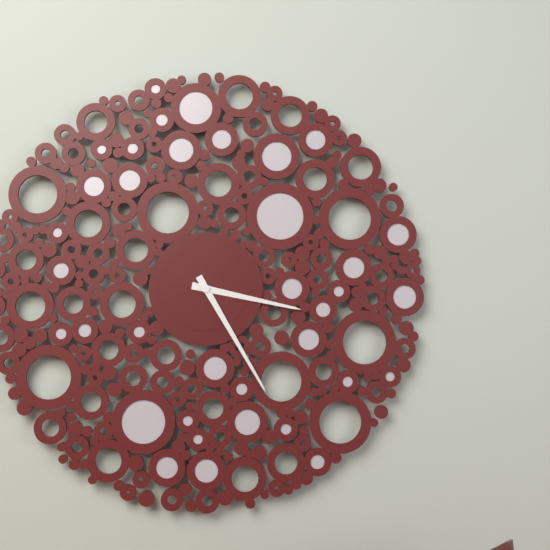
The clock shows 3 h 25 min
